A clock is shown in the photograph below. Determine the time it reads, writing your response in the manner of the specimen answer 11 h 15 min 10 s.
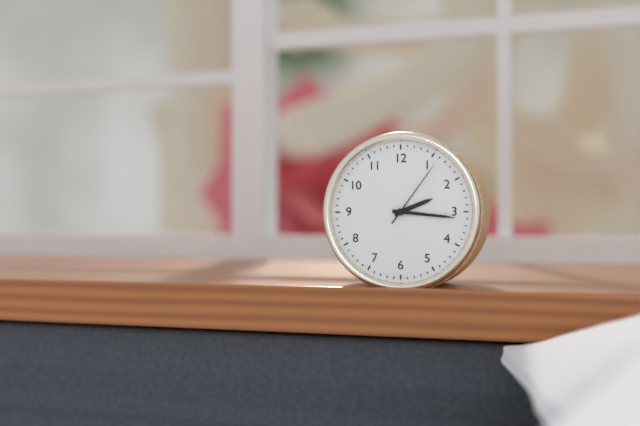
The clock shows 2 h 16 min 06 s
